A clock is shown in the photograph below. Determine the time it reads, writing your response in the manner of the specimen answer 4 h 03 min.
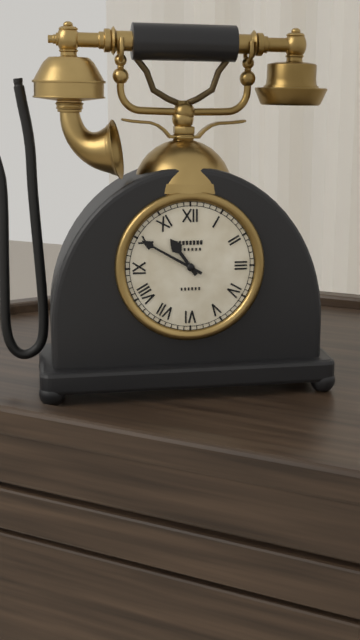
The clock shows 10 h 50 min
